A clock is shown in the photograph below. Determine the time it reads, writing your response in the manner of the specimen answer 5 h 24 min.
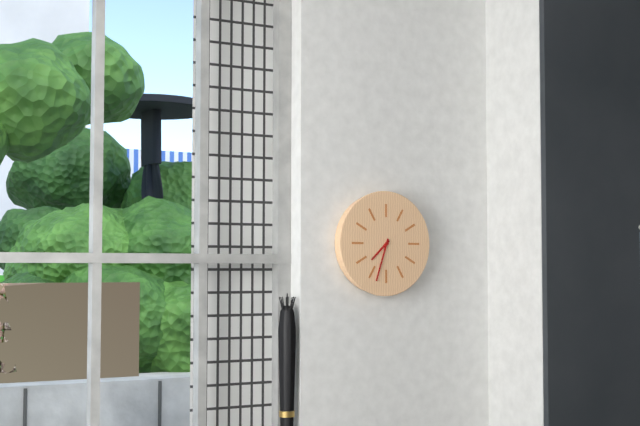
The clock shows 7 h 33 min
